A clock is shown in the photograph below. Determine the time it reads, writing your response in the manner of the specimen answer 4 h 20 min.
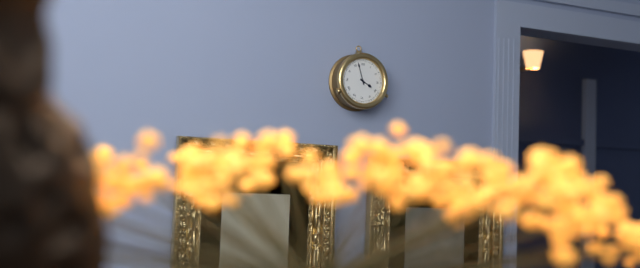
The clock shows 3 h 57 min
